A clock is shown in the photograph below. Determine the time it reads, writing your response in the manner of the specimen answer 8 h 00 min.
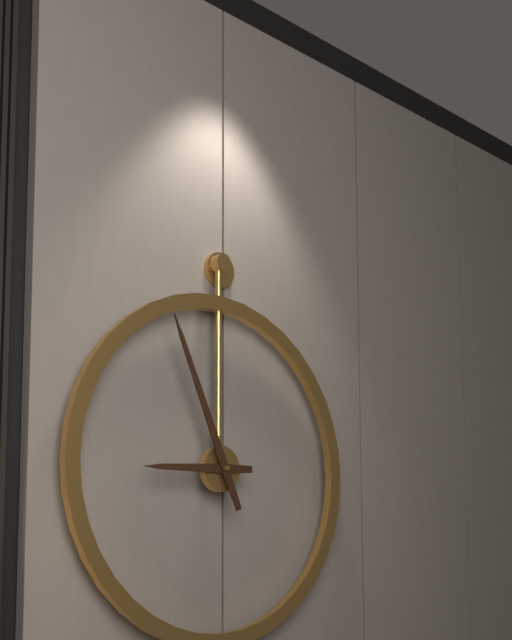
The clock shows 8 h 56 min
